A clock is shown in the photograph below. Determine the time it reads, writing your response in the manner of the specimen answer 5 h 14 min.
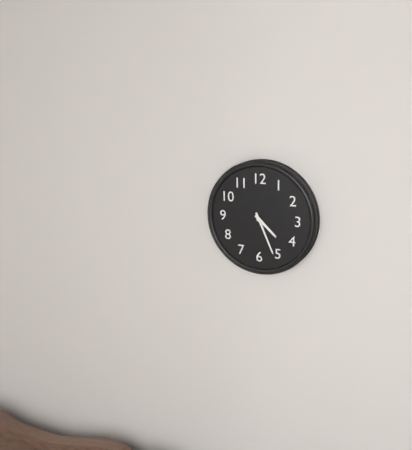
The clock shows 4 h 26 min
